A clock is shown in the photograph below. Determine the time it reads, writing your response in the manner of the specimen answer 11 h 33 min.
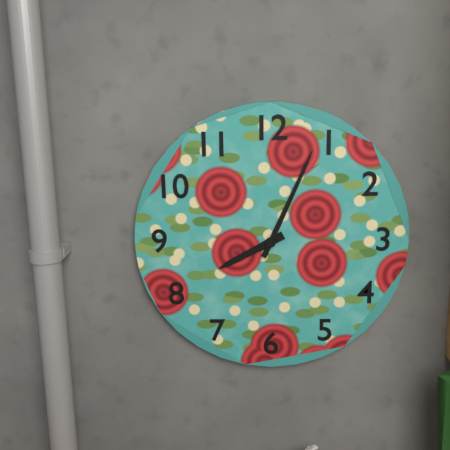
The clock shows 8 h 04 min
